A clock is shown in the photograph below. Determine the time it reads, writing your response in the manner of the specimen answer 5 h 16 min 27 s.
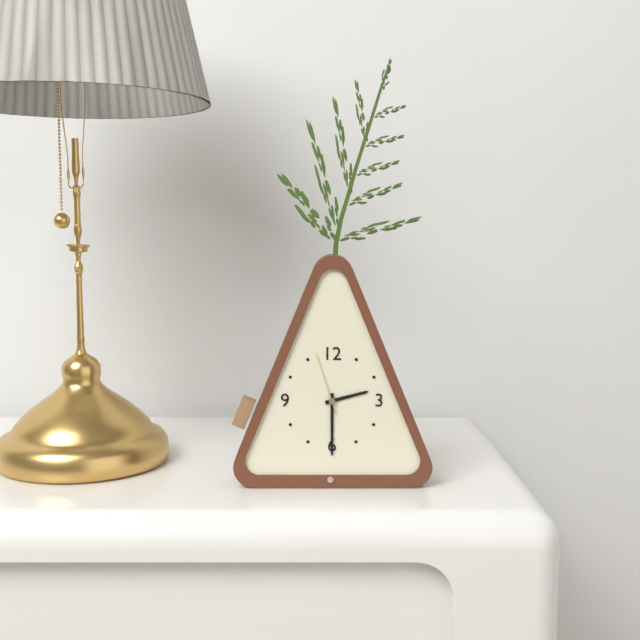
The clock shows 2 h 30 min 57 s
